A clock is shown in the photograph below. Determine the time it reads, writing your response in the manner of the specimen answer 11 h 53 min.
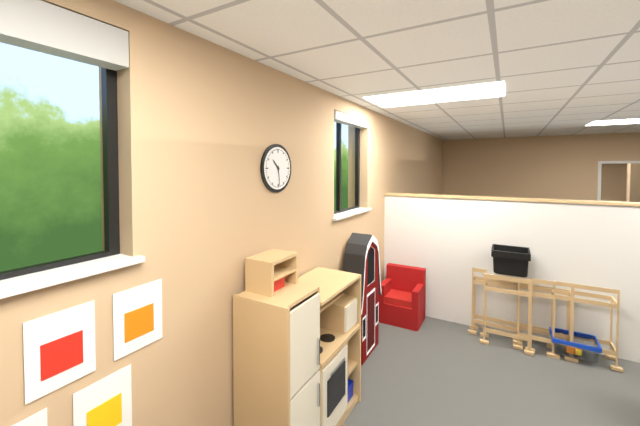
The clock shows 10 h 29 min
